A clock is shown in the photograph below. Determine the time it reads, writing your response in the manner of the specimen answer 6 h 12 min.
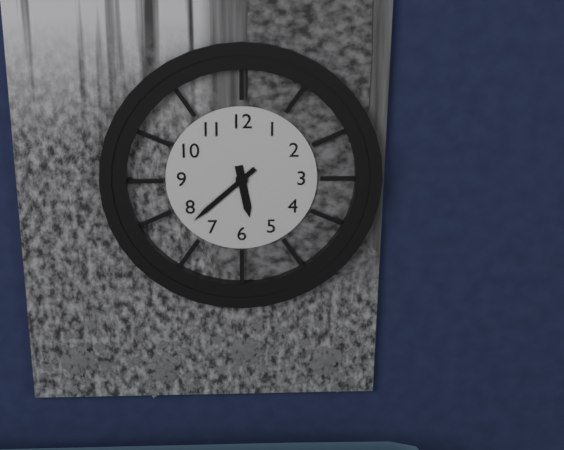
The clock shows 5 h 38 min
